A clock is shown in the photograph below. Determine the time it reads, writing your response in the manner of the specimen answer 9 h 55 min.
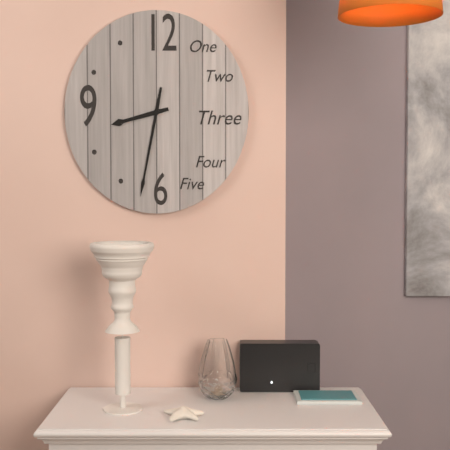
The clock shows 8 h 32 min
